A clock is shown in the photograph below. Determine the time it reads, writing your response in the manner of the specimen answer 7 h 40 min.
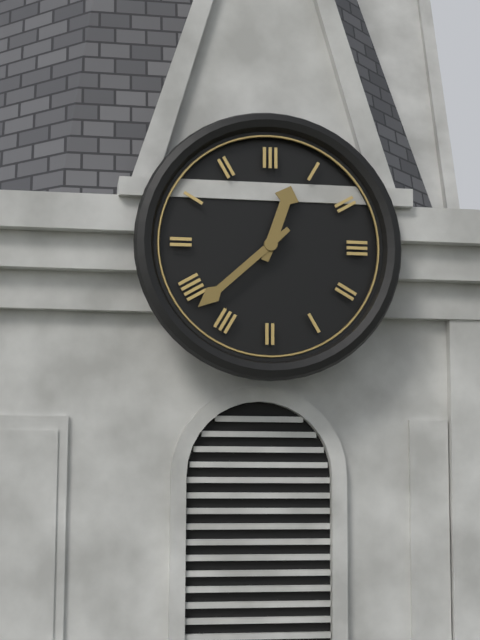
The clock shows 12 h 38 min
